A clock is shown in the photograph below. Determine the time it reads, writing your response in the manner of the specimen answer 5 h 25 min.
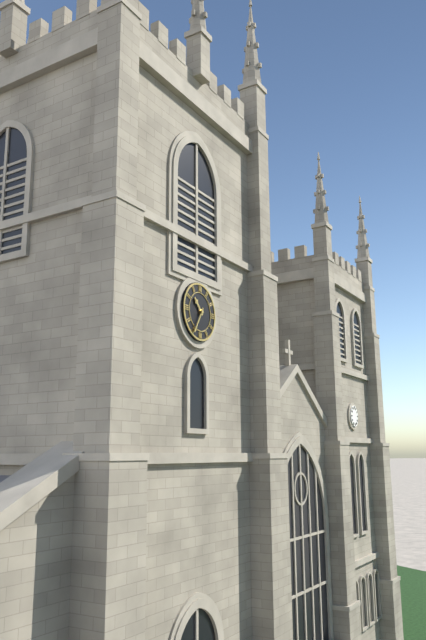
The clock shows 10 h 35 min
